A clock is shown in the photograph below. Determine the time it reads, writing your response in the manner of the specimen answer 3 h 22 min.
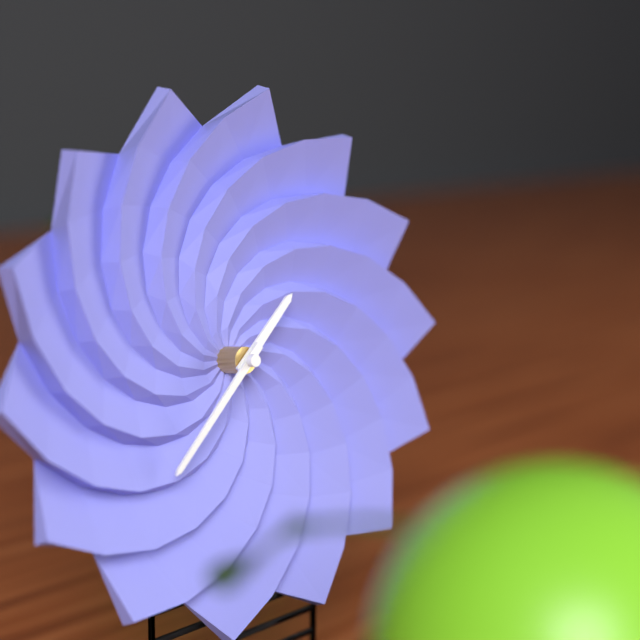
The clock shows 1 h 38 min
